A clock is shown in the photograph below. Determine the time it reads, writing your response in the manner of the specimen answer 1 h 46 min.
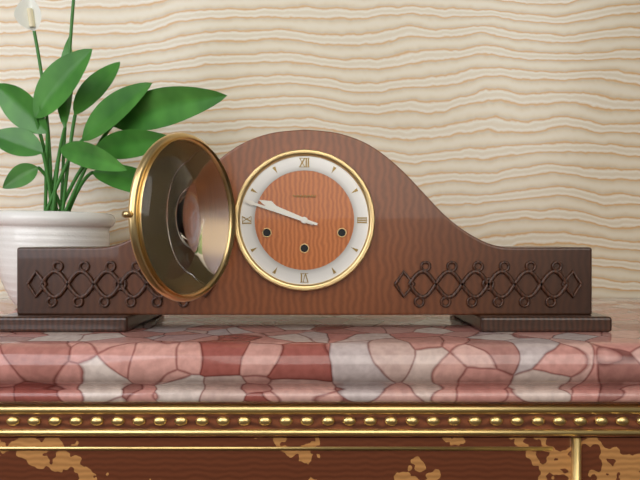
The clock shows 9 h 48 min
